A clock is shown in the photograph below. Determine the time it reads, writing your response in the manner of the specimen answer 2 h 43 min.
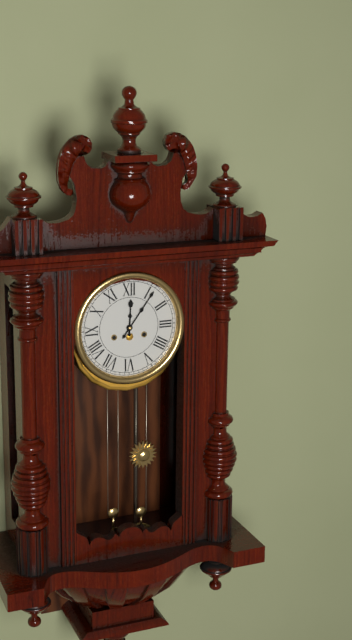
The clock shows 12 h 06 min
